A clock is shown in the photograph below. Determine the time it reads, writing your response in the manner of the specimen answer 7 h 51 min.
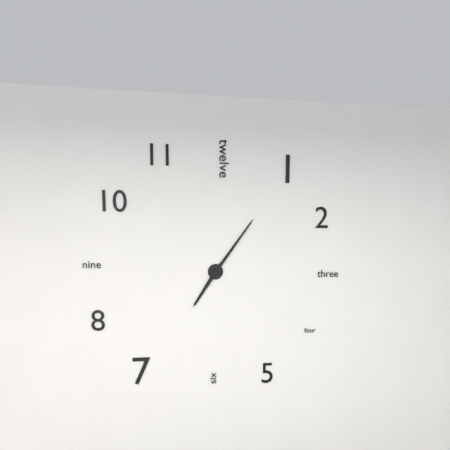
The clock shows 7 h 06 min
